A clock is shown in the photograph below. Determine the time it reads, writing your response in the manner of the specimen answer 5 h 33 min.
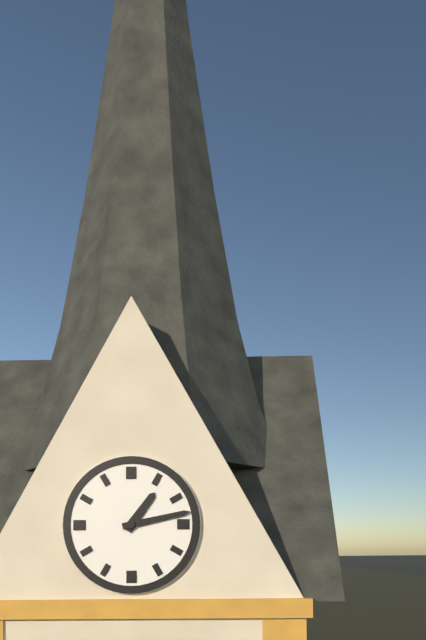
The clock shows 1 h 13 min
